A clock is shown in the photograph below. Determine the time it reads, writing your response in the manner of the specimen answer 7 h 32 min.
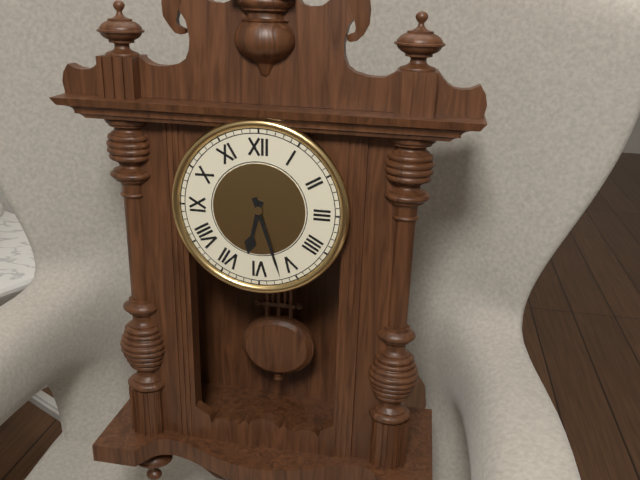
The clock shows 6 h 27 min
